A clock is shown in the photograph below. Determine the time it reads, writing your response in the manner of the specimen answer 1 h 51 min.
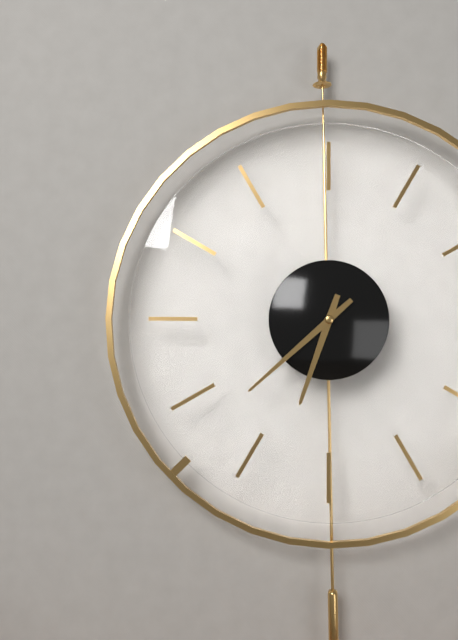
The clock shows 6 h 38 min
